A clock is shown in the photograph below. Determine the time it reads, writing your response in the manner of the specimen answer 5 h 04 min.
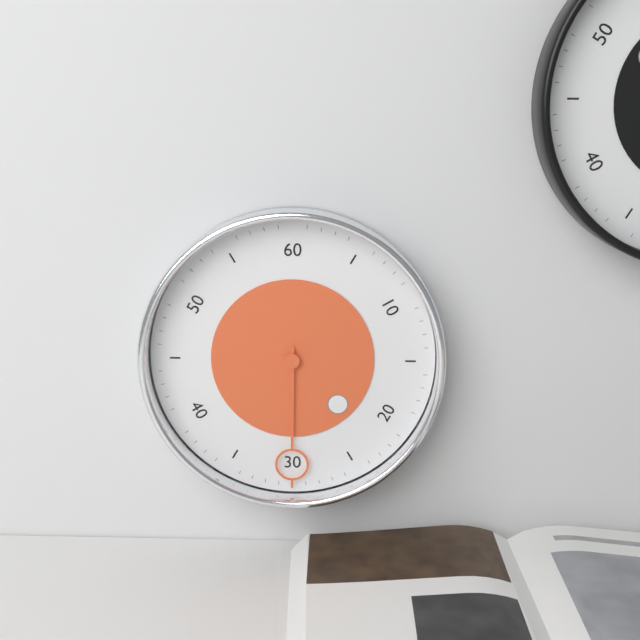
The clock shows 4 h 30 min
